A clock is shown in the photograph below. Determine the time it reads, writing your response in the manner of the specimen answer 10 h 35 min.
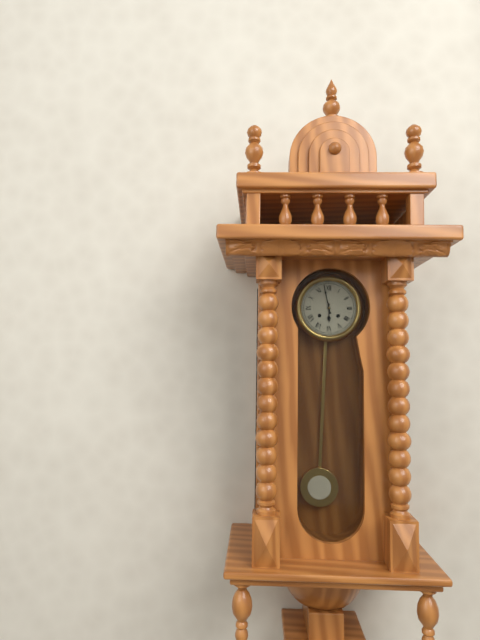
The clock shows 5 h 58 min
